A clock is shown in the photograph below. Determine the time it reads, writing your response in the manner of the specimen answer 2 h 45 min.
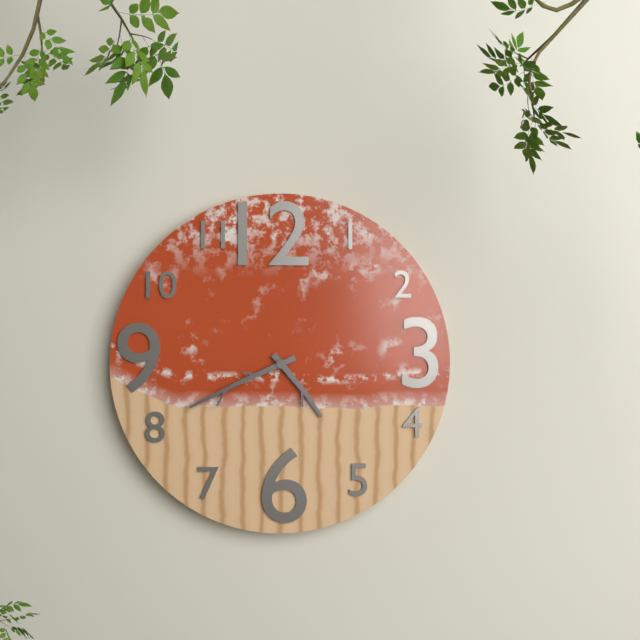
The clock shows 4 h 41 min
